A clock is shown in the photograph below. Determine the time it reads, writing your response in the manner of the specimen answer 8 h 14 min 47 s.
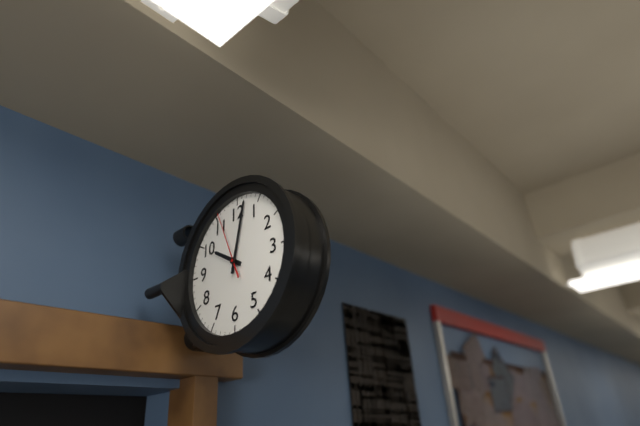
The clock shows 10 h 02 min 56 s
